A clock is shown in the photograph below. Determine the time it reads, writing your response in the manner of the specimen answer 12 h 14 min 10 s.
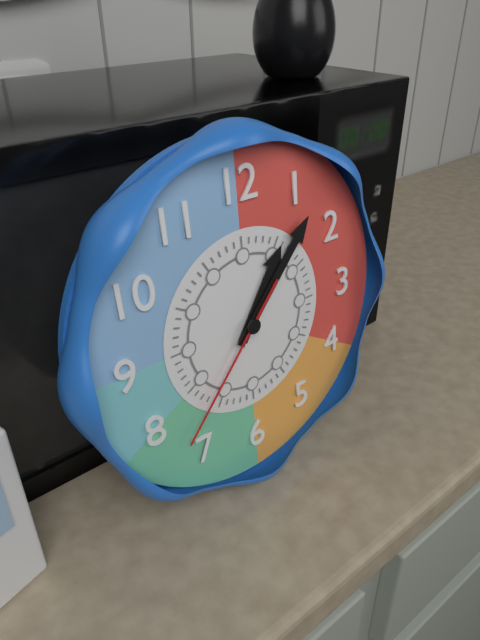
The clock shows 1 h 07 min 37 s
